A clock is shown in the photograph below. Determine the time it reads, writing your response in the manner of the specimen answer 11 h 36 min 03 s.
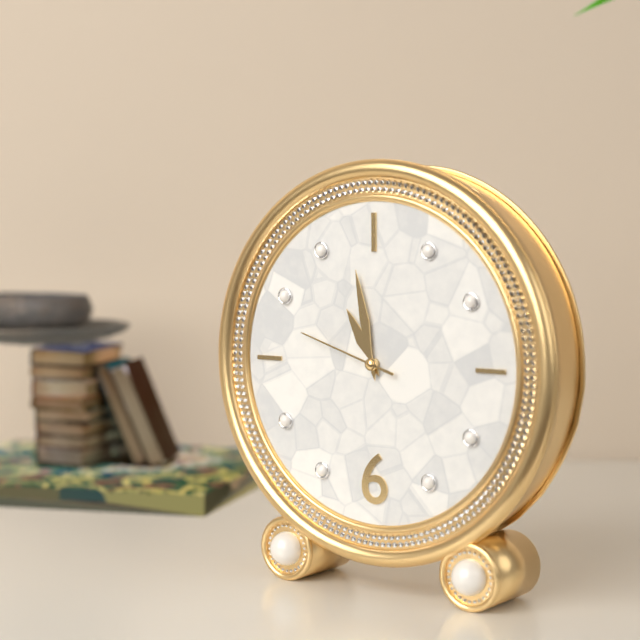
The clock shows 10 h 58 min 48 s
